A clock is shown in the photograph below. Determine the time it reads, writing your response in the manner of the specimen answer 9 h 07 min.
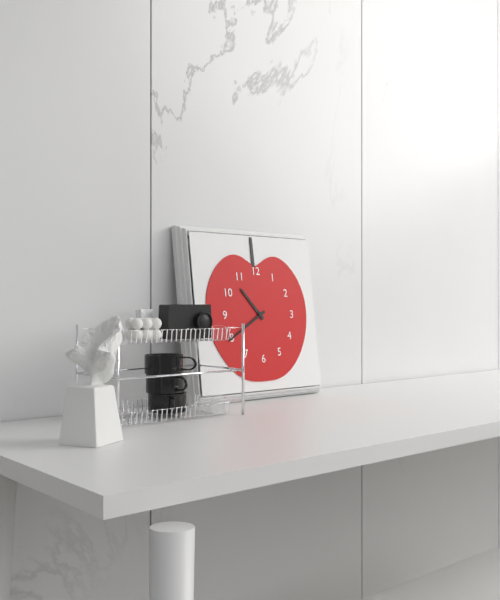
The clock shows 10 h 40 min
